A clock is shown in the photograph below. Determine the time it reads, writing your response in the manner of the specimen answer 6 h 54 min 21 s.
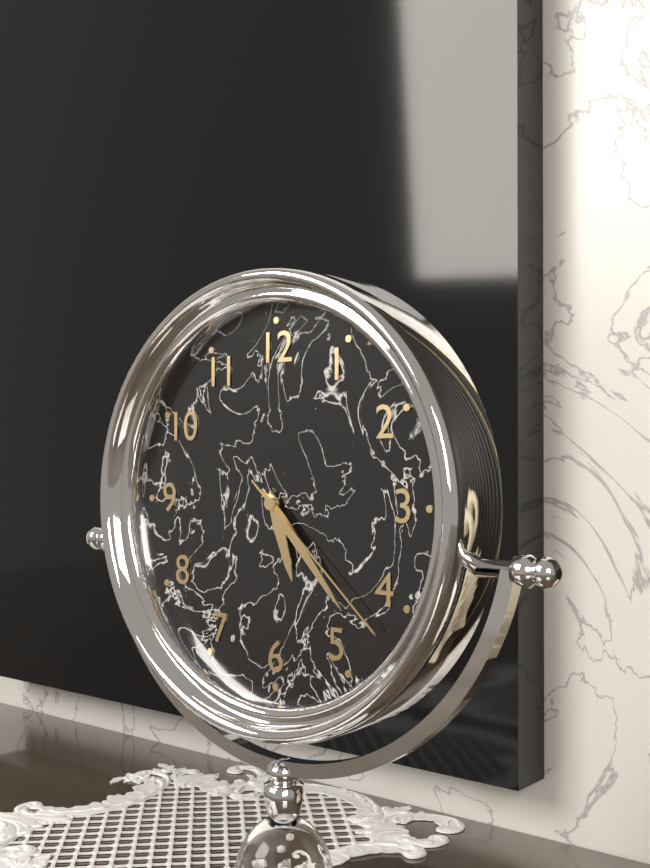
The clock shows 5 h 23 min 22 s
